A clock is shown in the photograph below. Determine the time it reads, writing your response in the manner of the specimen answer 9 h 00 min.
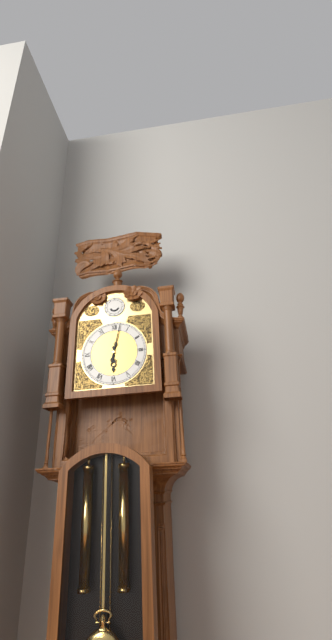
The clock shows 6 h 02 min
